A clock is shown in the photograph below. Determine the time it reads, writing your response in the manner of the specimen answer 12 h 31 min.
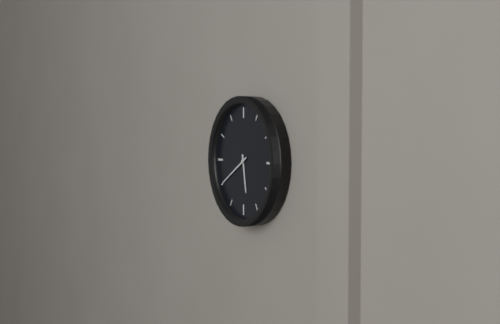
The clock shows 5 h 40 min
